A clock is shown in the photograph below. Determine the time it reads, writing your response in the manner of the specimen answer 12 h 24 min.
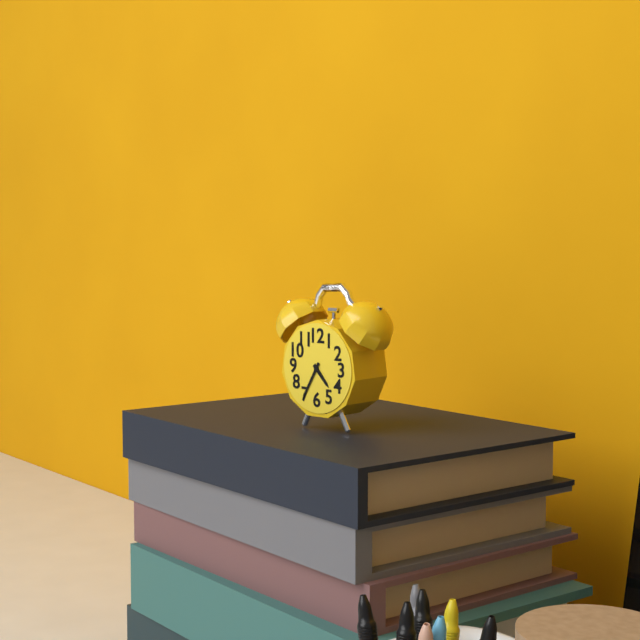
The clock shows 4 h 35 min
